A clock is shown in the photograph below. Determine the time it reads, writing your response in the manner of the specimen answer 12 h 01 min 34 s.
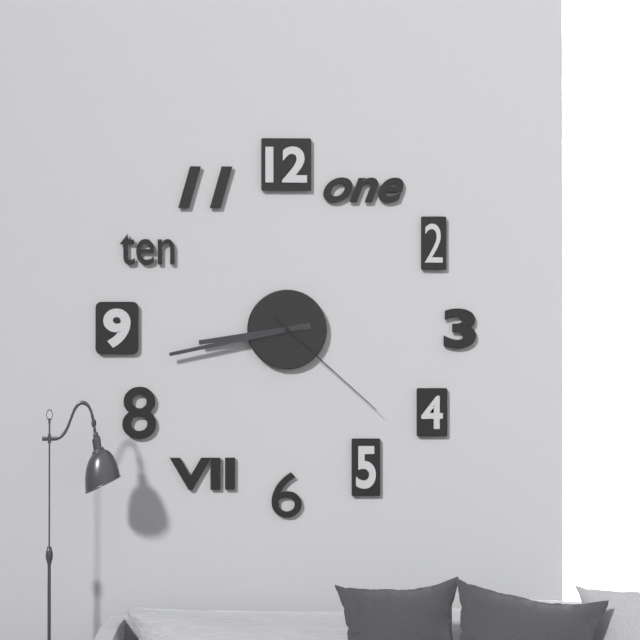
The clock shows 8 h 43 min 22 s
